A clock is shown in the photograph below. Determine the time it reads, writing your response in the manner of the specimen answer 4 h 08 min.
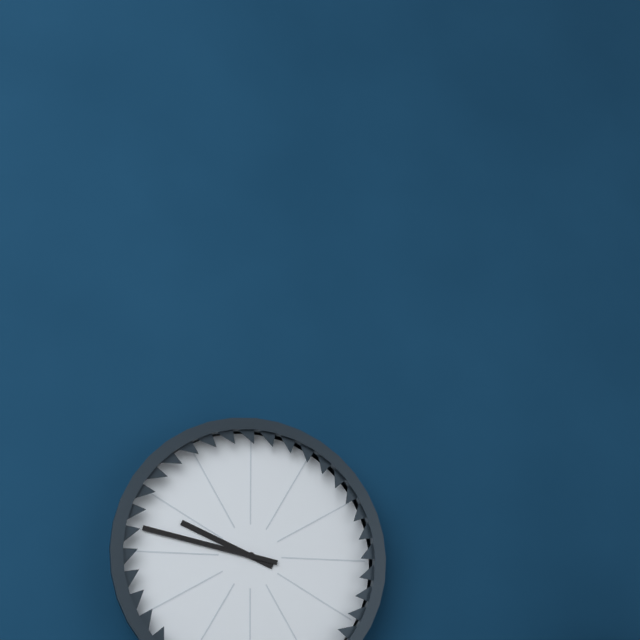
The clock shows 9 h 47 min
